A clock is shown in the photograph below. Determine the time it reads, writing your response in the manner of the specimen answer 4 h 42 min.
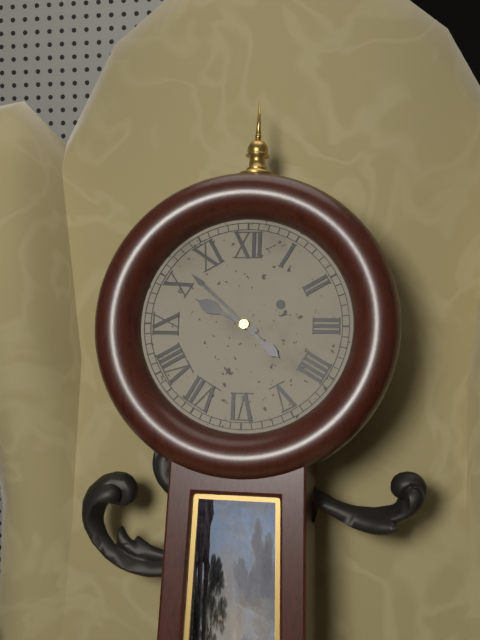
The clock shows 9 h 52 min
